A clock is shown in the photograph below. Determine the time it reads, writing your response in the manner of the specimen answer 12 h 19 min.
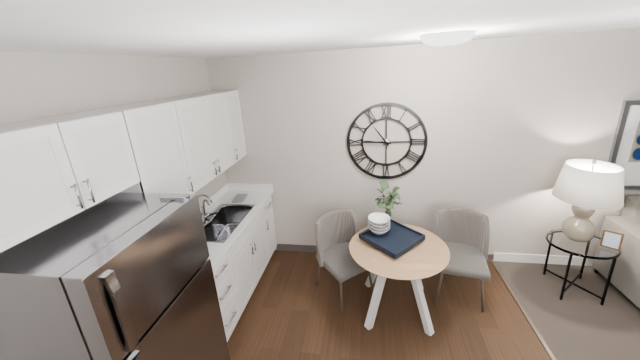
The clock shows 10 h 46 min
